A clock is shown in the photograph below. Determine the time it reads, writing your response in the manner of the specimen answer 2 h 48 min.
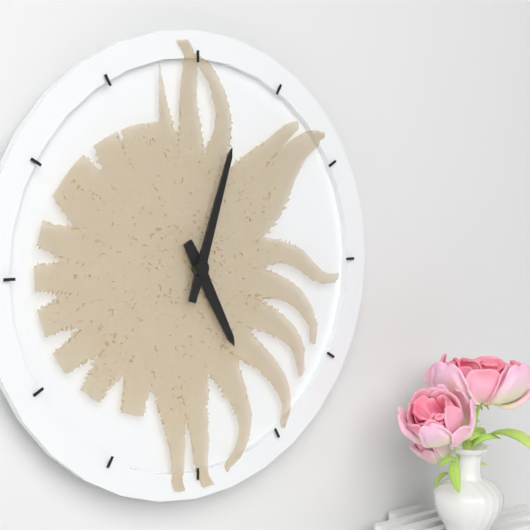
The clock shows 5 h 03 min
